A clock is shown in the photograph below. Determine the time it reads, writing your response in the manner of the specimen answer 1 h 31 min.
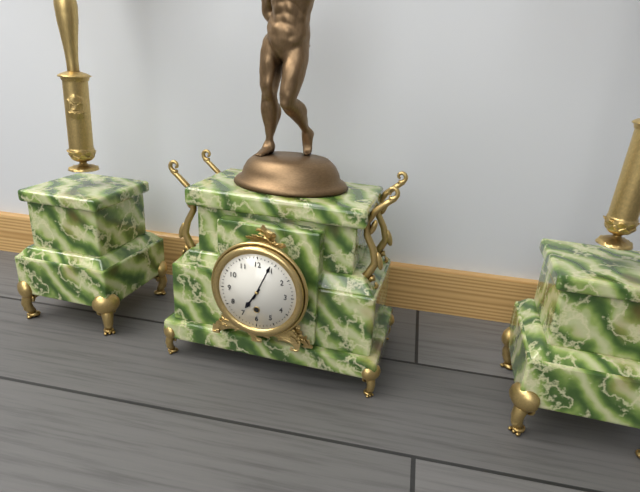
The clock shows 7 h 04 min
